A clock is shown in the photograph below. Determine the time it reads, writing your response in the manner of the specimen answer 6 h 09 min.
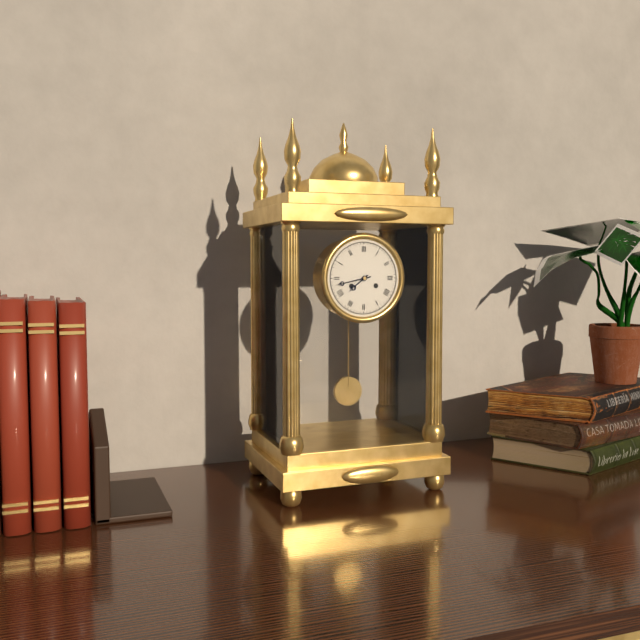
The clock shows 7 h 43 min
